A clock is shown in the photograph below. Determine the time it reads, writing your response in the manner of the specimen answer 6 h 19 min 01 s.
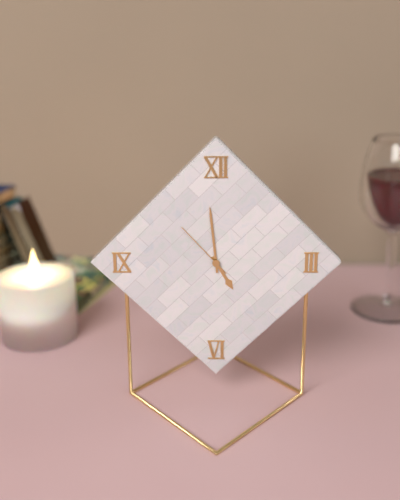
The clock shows 4 h 59 min 53 s
